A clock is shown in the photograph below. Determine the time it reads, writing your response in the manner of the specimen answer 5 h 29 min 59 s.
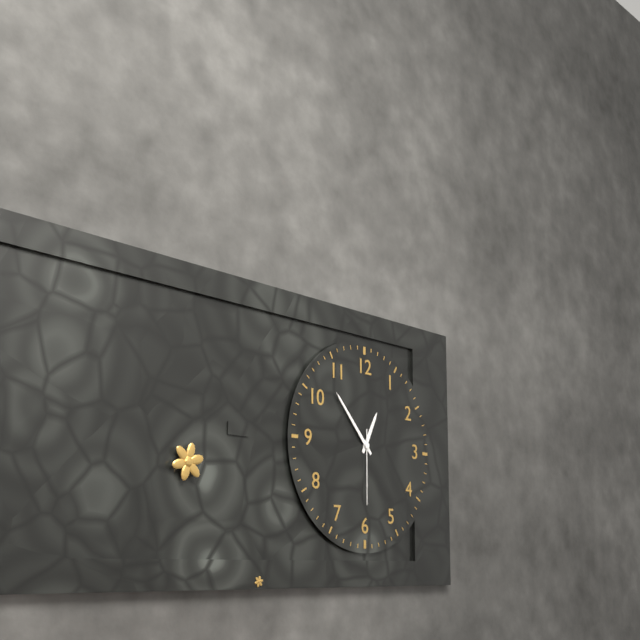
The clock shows 12 h 53 min 30 s
